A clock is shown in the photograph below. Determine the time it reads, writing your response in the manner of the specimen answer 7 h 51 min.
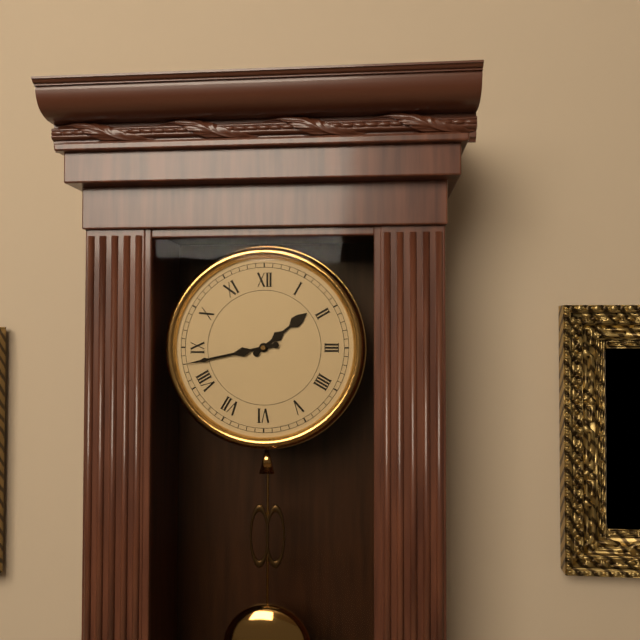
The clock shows 1 h 43 min
